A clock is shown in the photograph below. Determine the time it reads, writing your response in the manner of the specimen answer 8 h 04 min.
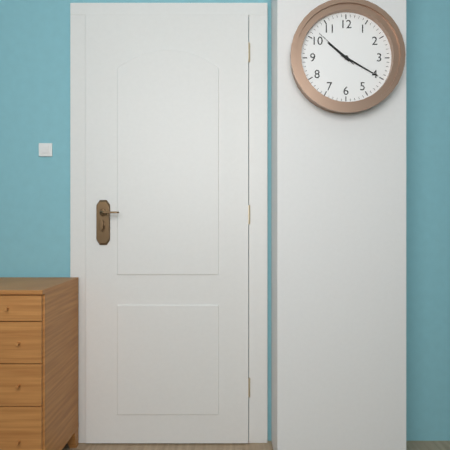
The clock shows 10 h 20 min
